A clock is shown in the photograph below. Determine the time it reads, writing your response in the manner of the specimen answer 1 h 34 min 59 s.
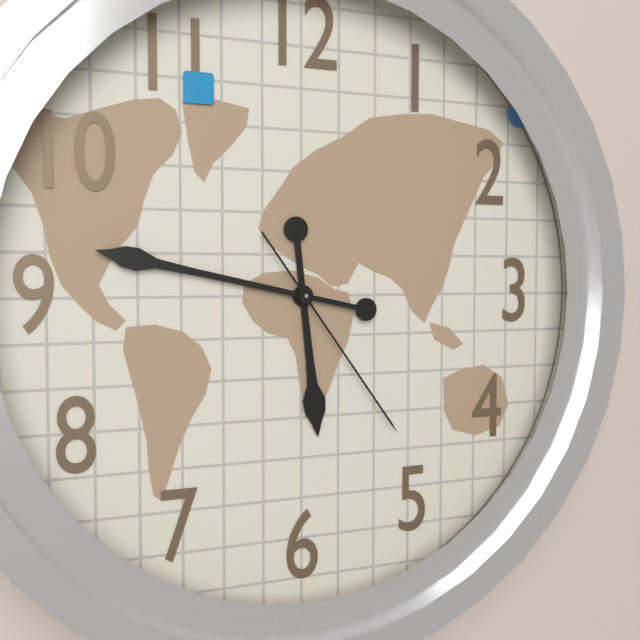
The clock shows 5 h 47 min 24 s
